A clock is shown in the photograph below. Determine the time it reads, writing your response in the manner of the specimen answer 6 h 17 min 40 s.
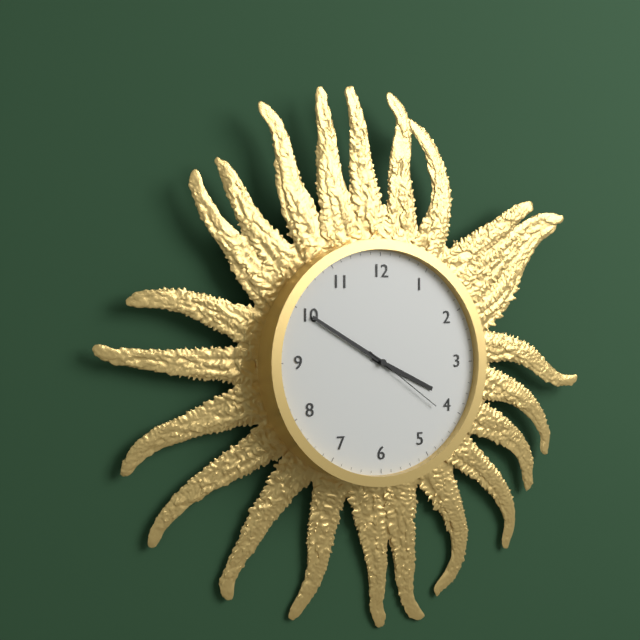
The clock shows 3 h 50 min 21 s
